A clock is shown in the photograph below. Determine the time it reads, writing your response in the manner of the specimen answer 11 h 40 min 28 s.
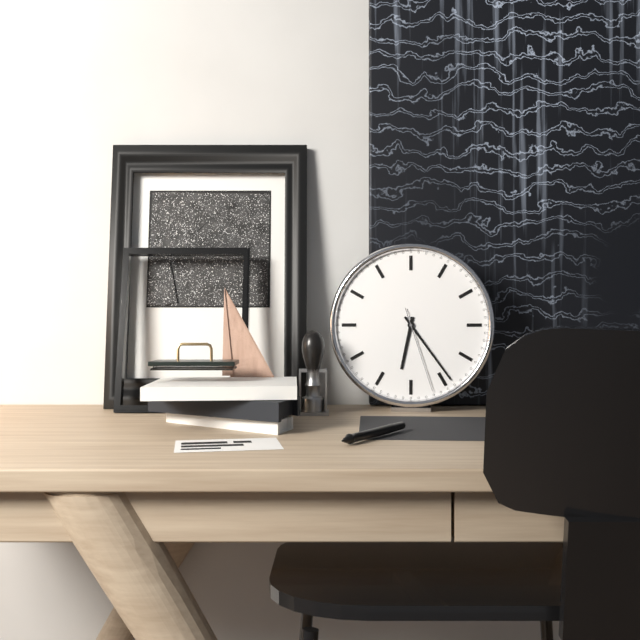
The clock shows 6 h 24 min 27 s
